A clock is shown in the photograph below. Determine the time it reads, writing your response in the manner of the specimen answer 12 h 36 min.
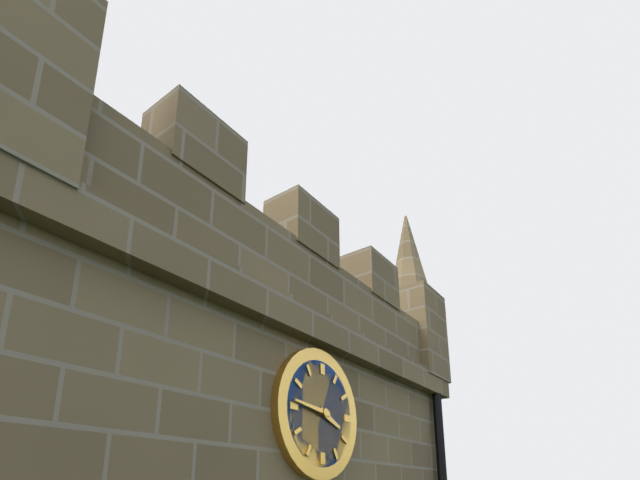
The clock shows 3 h 46 min
